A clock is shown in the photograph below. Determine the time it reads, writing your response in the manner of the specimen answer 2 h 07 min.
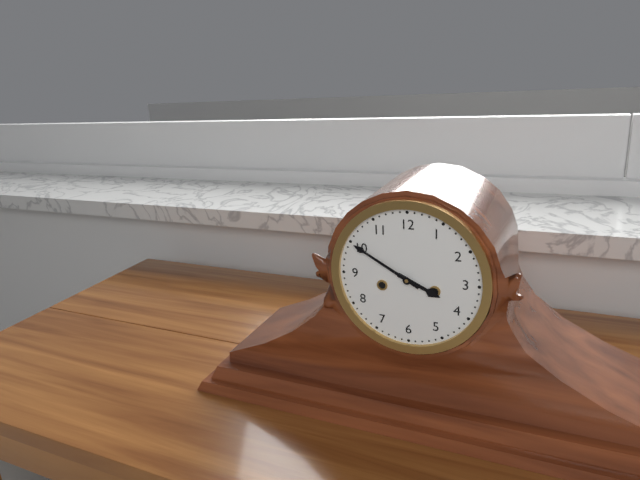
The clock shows 3 h 50 min
